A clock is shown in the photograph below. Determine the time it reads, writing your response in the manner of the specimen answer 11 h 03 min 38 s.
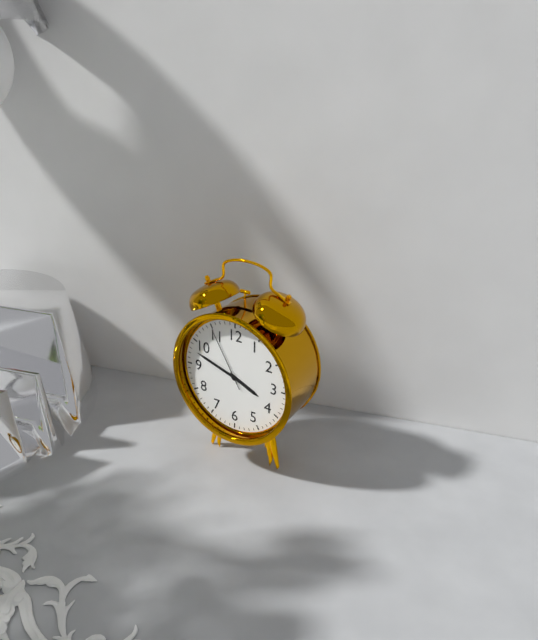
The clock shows 3 h 48 min 55 s
